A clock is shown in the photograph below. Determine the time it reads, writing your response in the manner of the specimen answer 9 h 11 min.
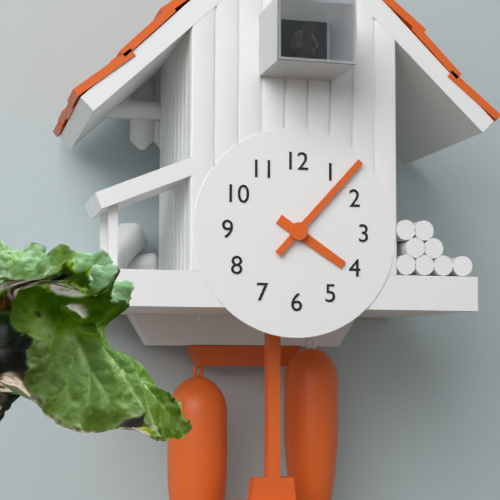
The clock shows 4 h 07 min
